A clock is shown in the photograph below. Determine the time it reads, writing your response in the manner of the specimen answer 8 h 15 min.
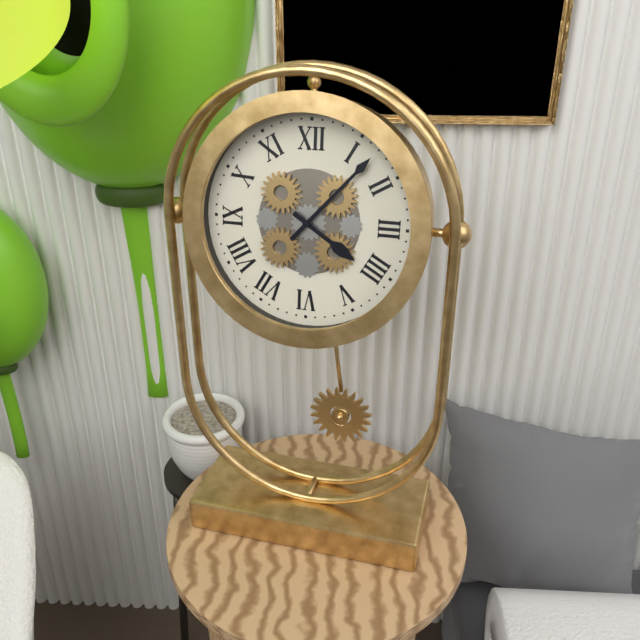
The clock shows 4 h 07 min
